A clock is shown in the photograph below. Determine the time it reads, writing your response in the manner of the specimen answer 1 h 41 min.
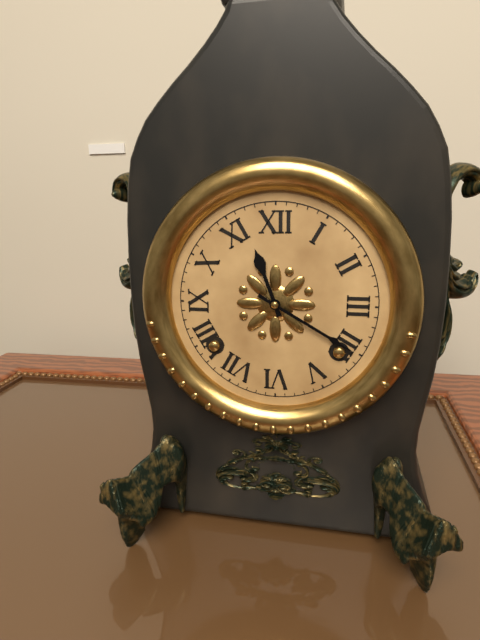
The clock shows 11 h 20 min
